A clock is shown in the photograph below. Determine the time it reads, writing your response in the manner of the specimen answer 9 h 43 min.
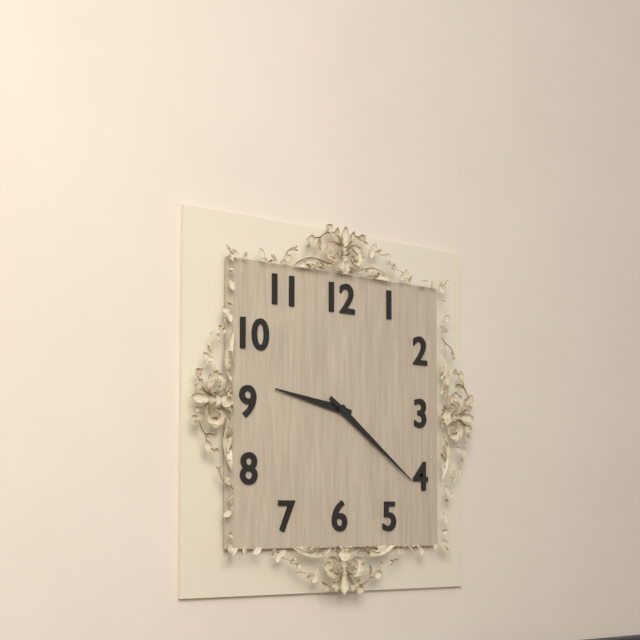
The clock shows 9 h 21 min
